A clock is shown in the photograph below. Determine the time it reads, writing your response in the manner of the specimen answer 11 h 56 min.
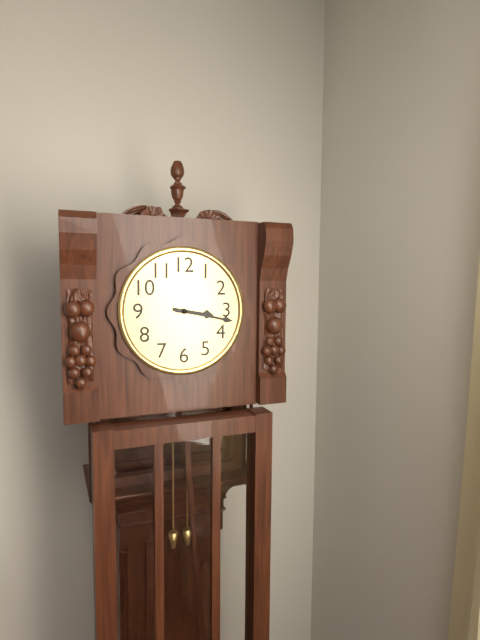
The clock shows 3 h 17 min
